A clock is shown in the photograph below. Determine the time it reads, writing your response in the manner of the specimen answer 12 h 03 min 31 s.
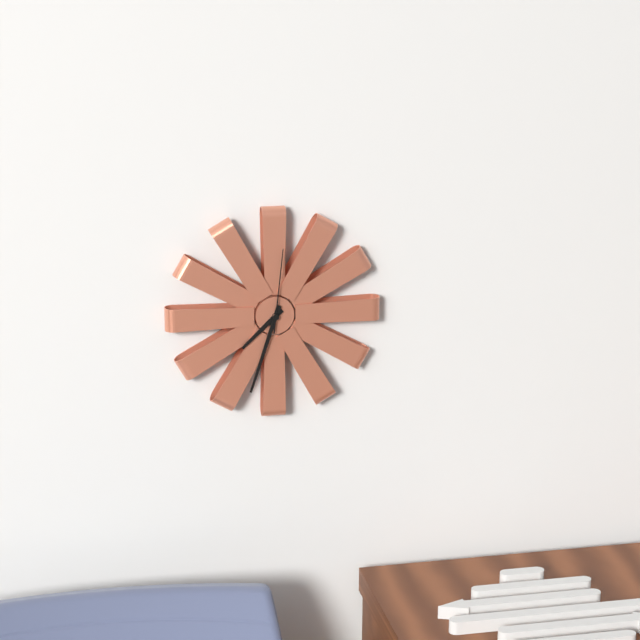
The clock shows 7 h 33 min 01 s
